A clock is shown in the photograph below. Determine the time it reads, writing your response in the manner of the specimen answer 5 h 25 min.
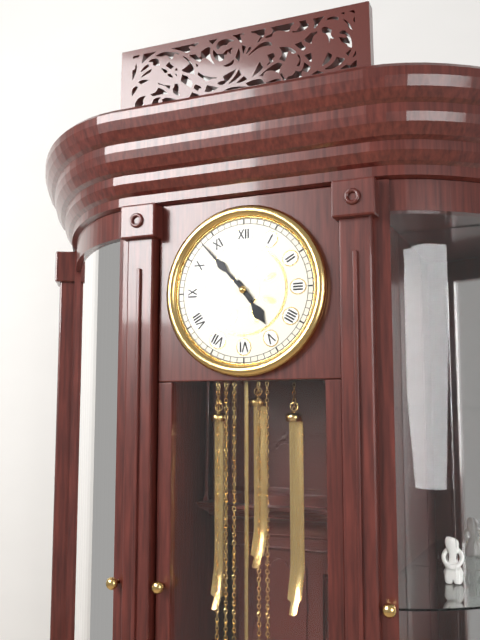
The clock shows 4 h 53 min
